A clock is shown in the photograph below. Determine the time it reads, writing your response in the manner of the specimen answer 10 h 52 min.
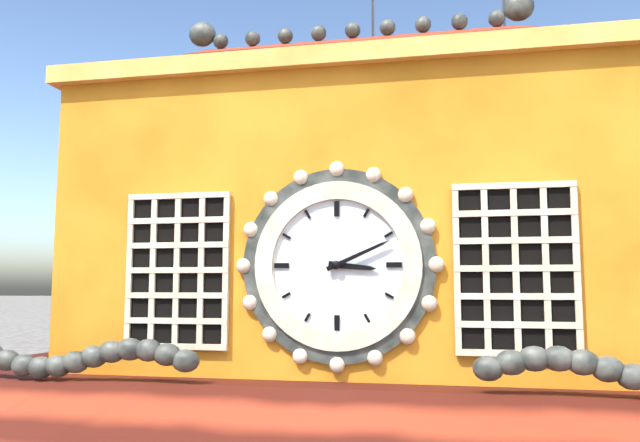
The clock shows 3 h 11 min
